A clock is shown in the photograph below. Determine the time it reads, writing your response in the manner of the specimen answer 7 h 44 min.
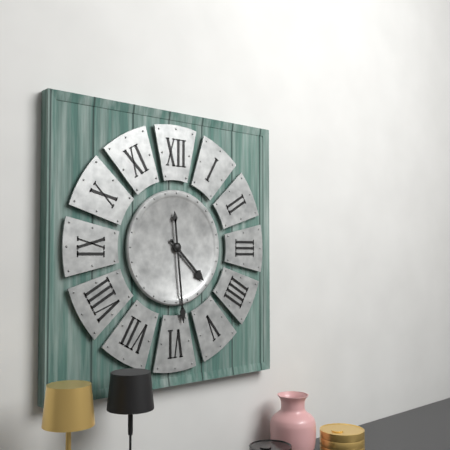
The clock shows 4 h 29 min
